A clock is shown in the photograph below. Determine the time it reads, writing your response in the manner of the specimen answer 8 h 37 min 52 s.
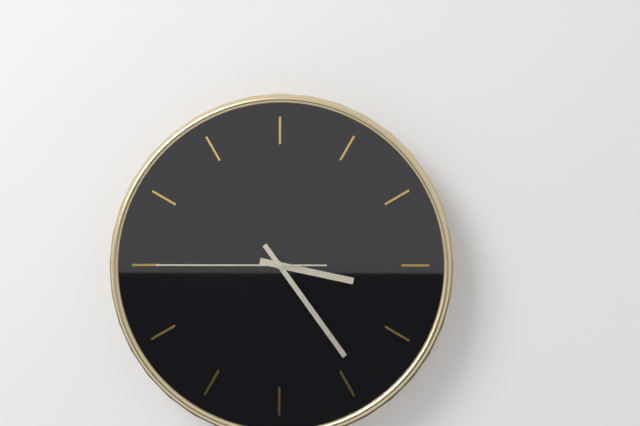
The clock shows 3 h 24 min 45 s
